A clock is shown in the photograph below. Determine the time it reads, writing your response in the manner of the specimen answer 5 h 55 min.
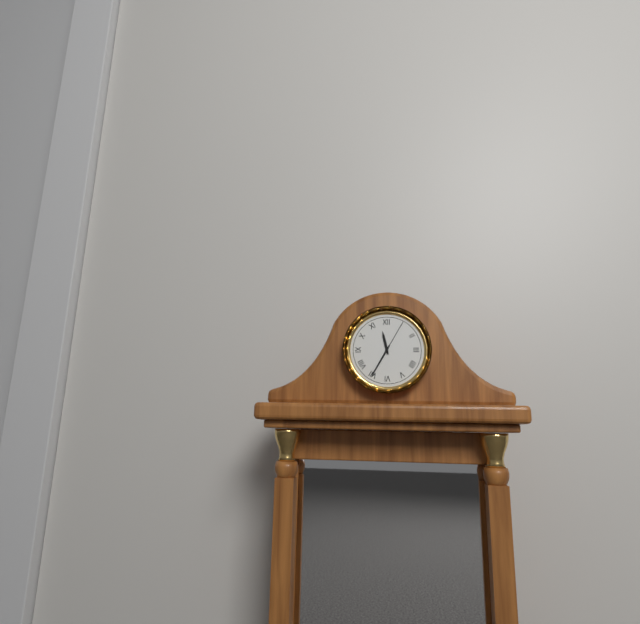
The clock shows 11 h 35 min
